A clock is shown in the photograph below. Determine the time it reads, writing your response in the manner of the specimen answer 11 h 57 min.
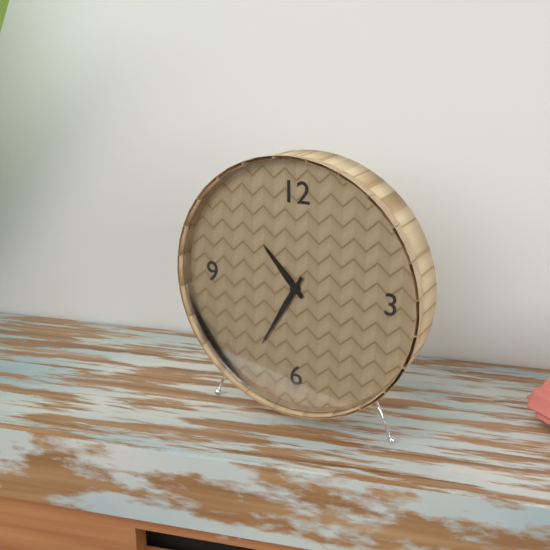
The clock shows 10 h 35 min
